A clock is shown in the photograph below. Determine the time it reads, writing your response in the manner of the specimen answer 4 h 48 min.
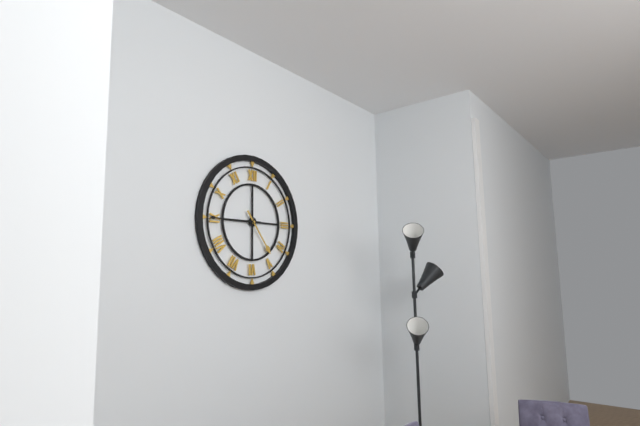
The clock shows 4 h 45 min
